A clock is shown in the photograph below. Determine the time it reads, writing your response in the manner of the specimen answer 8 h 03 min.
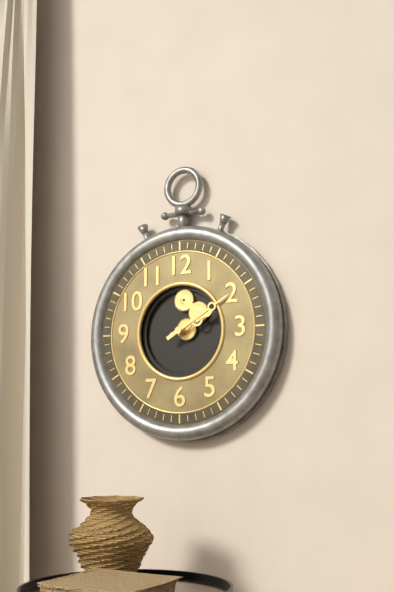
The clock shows 2 h 10 min
